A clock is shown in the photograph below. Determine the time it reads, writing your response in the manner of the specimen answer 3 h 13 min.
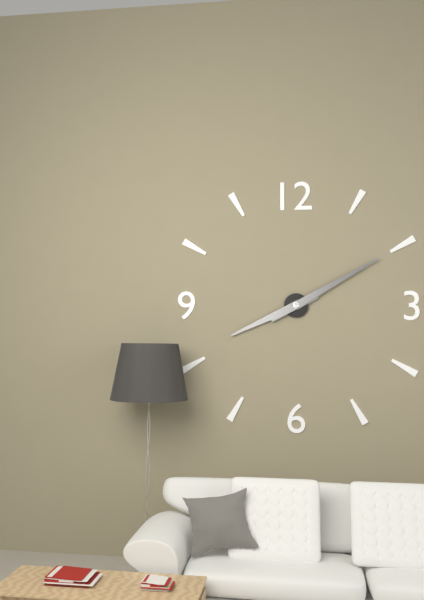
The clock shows 8 h 10 min
